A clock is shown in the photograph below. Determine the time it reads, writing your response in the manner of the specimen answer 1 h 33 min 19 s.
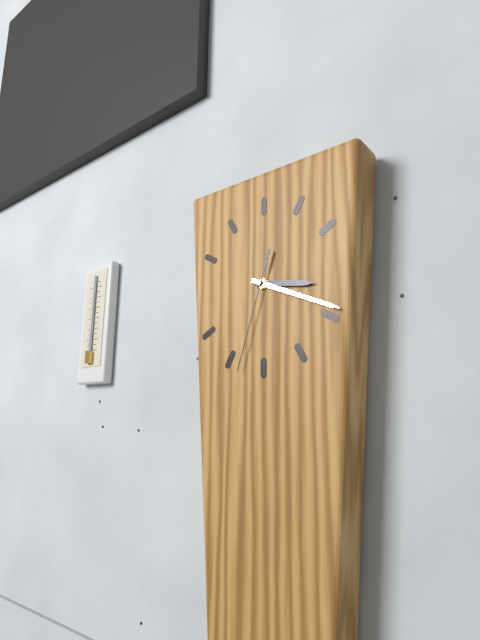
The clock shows 3 h 19 min 33 s
